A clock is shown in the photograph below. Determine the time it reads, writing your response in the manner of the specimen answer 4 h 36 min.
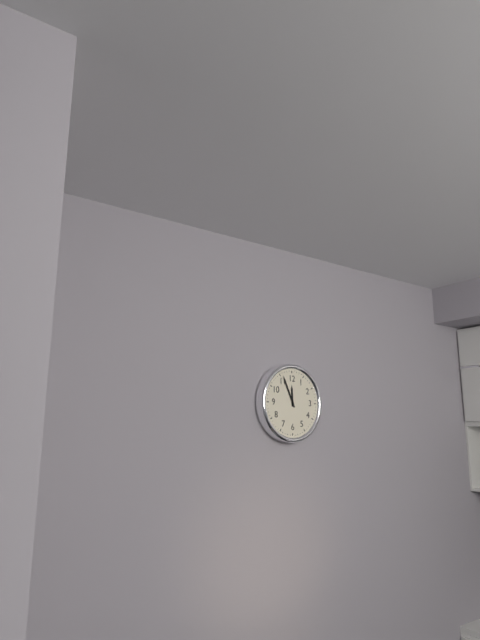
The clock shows 11 h 56 min
